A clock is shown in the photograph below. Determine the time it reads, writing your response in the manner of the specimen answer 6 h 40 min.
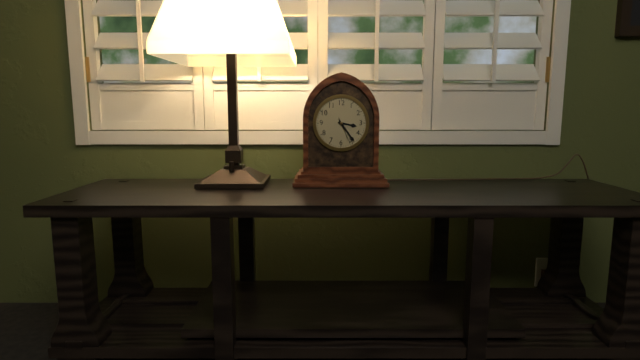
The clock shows 3 h 24 min
